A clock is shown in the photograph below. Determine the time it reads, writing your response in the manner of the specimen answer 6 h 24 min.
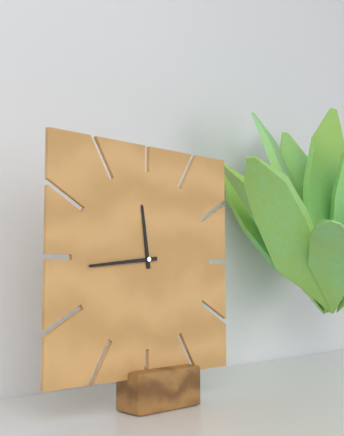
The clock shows 11 h 44 min
